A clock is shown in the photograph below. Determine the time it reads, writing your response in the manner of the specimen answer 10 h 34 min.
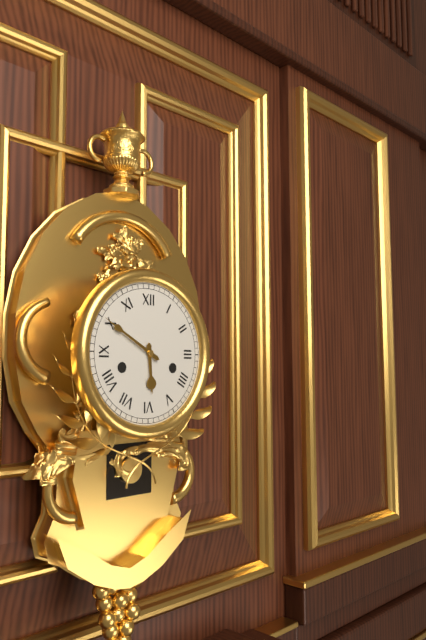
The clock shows 5 h 50 min
